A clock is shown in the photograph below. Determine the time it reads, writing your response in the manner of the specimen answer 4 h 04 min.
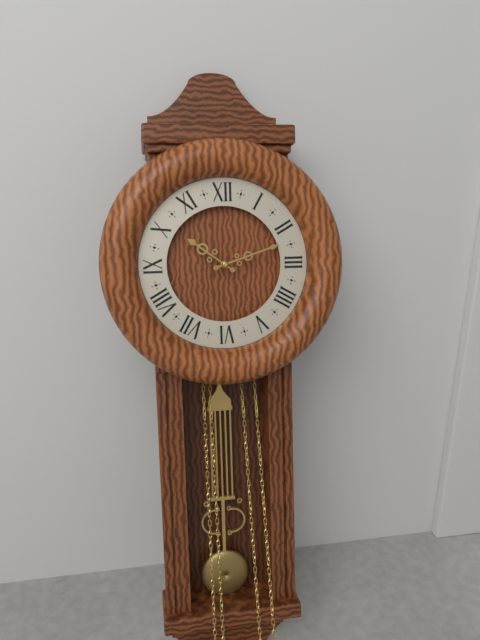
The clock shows 10 h 12 min
